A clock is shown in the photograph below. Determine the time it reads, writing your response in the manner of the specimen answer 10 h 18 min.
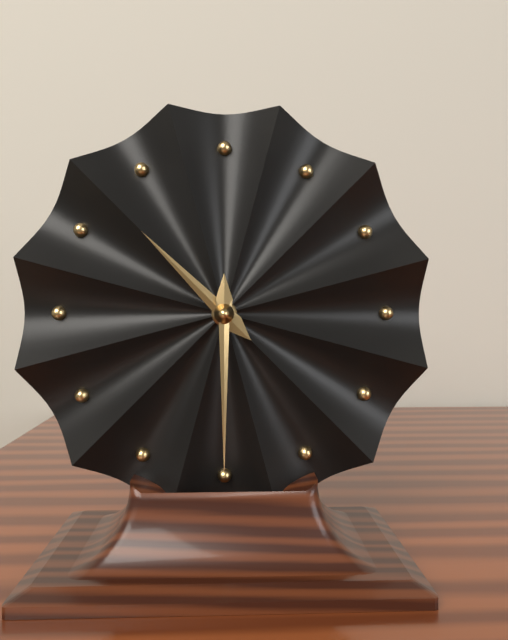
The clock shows 10 h 30 min
